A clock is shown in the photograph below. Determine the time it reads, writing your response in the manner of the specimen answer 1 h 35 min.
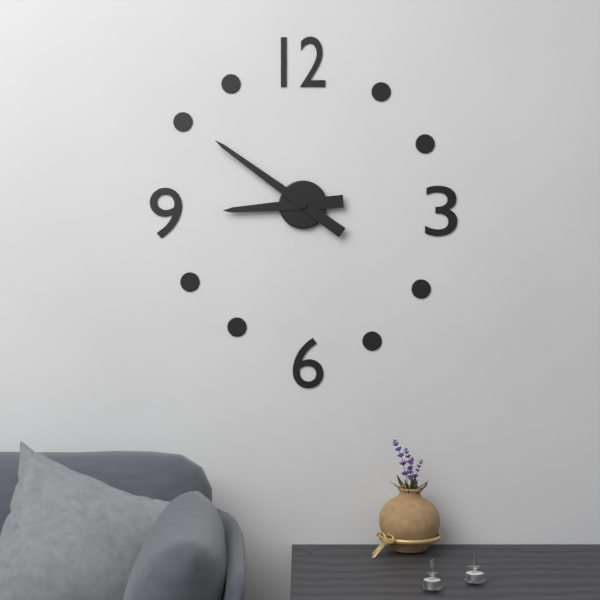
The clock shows 8 h 51 min
